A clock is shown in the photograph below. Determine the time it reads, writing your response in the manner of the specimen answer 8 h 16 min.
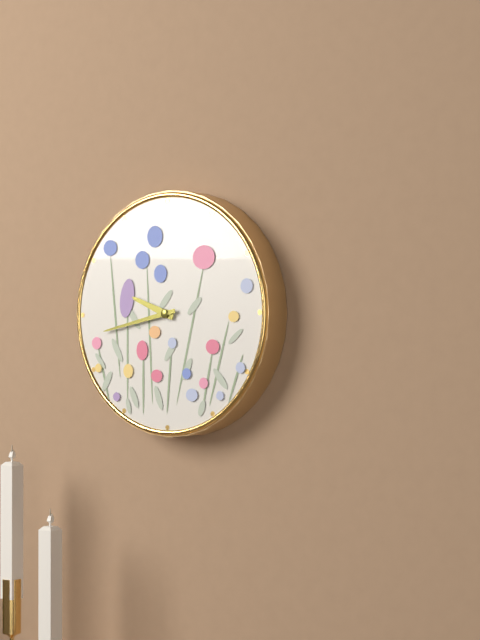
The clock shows 9 h 43 min
